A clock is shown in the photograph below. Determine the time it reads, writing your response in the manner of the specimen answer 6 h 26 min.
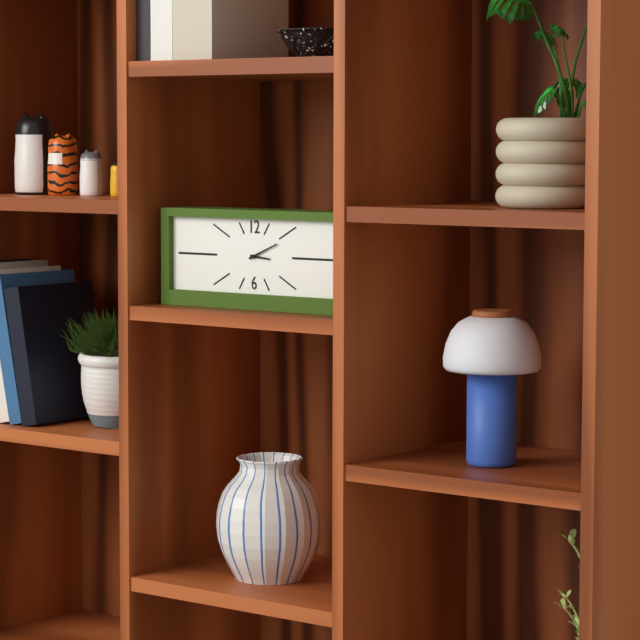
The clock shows 3 h 11 min
